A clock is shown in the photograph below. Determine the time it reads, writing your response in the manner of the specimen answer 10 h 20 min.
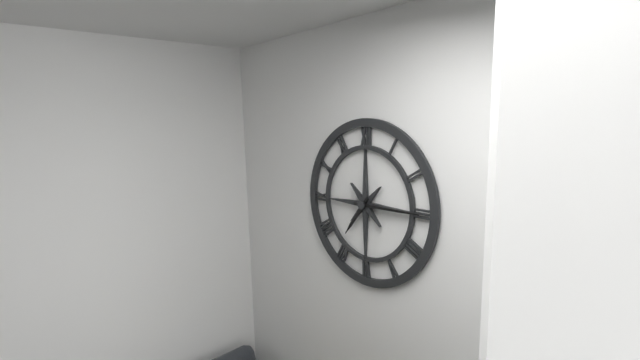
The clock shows 7 h 15 min
